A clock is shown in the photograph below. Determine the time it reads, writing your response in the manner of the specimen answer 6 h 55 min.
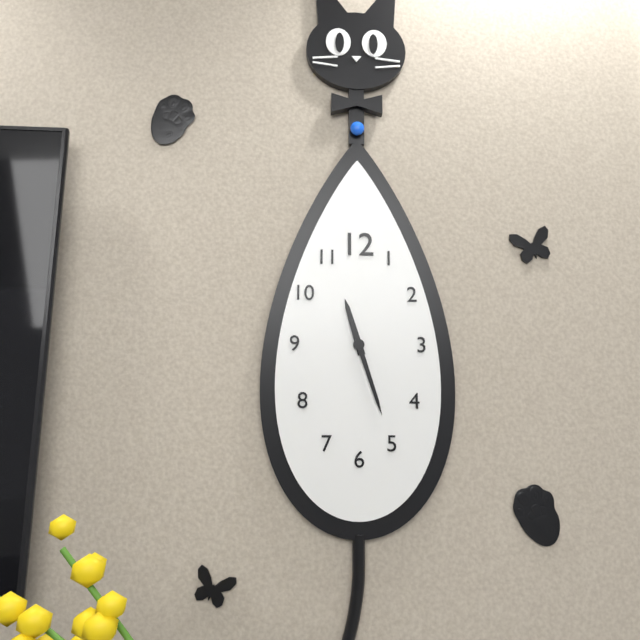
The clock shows 11 h 27 min
